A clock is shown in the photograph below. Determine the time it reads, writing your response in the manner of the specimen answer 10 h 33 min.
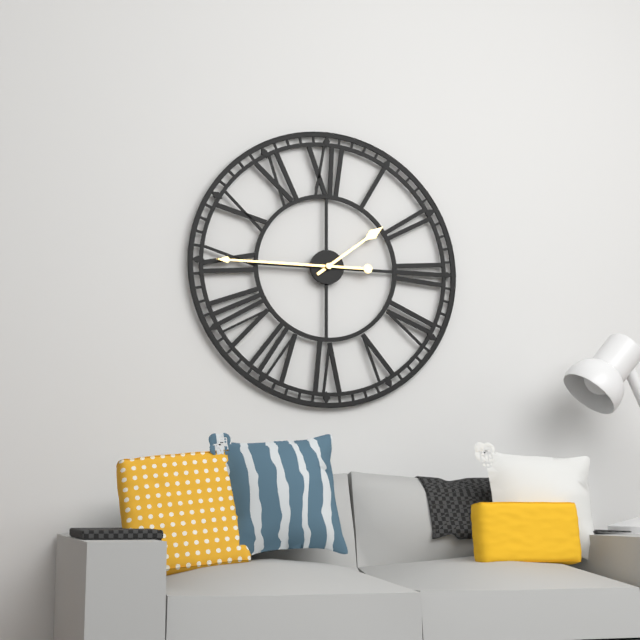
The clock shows 1 h 45 min
